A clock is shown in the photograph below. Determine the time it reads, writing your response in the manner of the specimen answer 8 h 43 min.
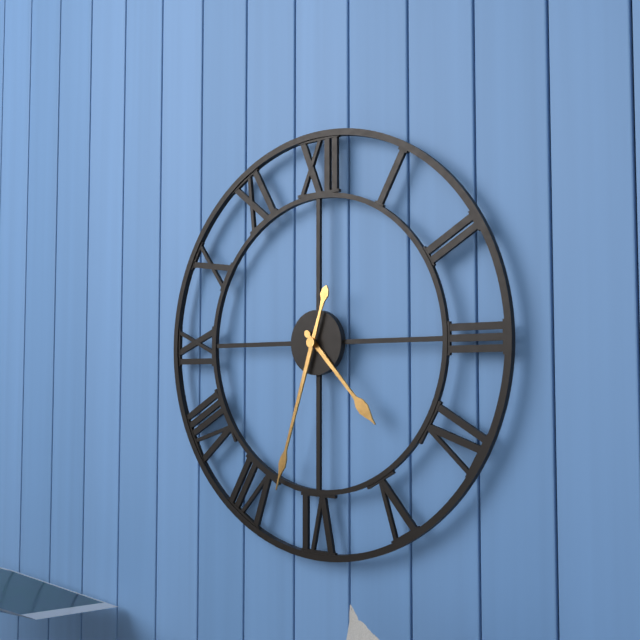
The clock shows 4 h 33 min
